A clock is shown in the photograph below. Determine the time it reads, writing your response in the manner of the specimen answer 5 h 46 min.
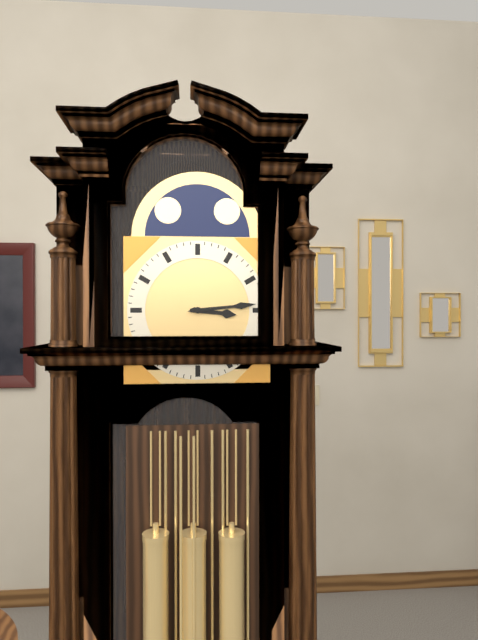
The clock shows 3 h 14 min
